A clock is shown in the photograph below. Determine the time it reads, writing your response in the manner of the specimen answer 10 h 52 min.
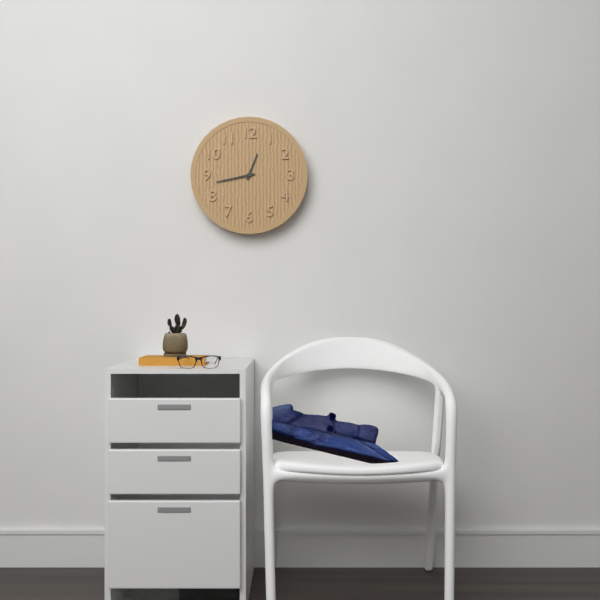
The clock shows 12 h 43 min
